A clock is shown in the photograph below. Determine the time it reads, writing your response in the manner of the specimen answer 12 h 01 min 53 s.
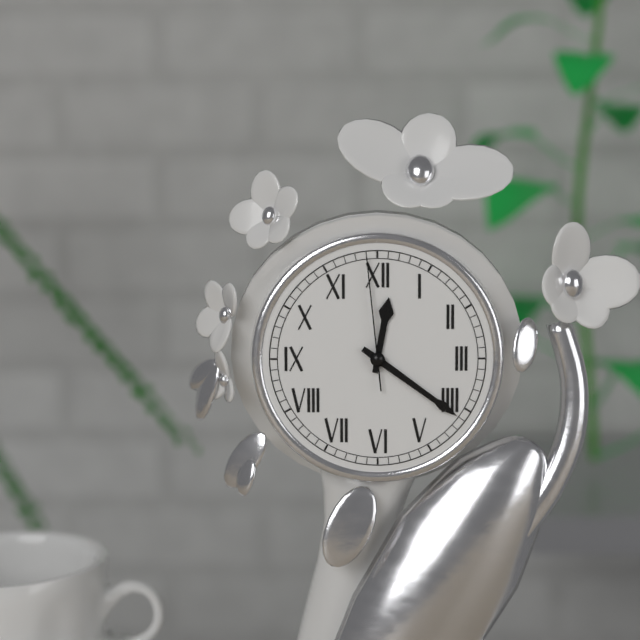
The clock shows 12 h 21 min 59 s
